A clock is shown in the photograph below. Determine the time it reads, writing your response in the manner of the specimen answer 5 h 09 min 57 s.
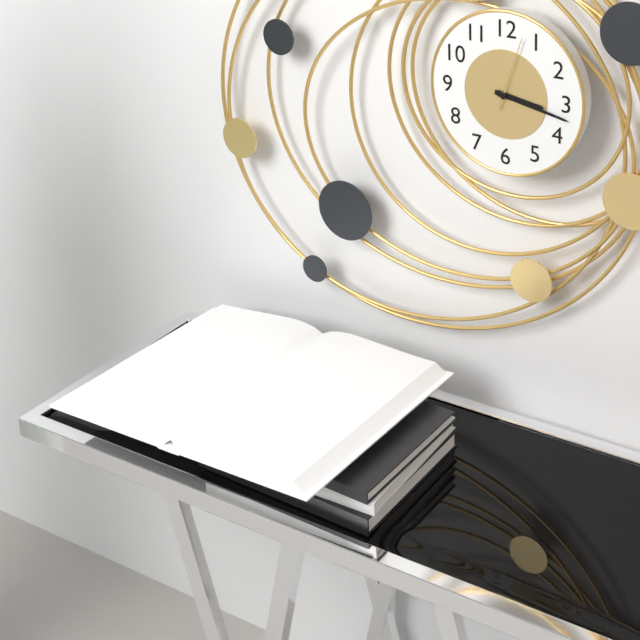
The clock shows 3 h 17 min 03 s
